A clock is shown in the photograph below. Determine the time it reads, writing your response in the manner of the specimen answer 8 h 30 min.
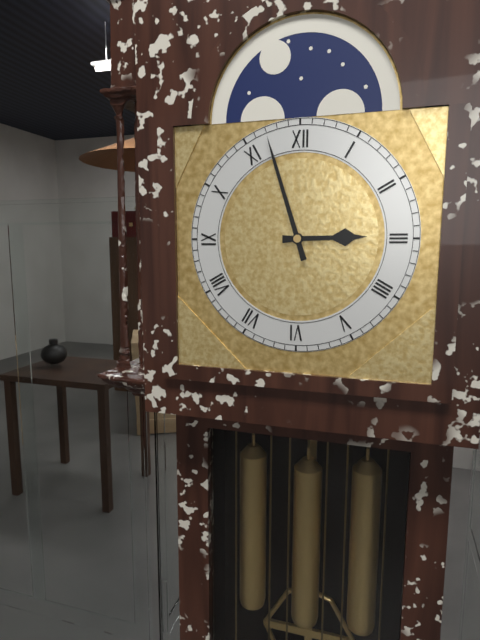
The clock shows 2 h 57 min
